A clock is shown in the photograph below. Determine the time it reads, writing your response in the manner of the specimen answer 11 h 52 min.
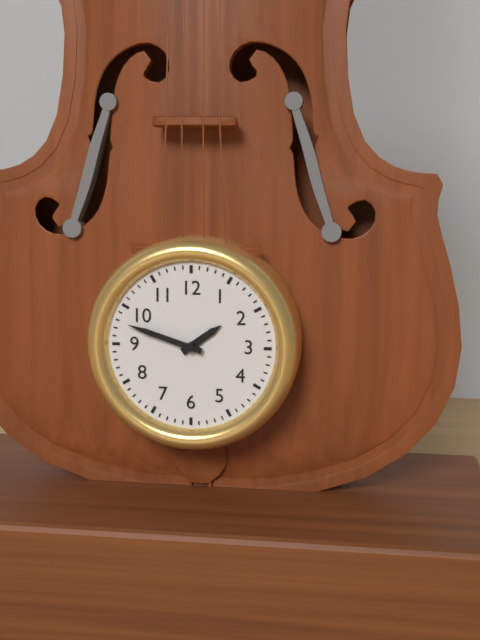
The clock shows 1 h 48 min
